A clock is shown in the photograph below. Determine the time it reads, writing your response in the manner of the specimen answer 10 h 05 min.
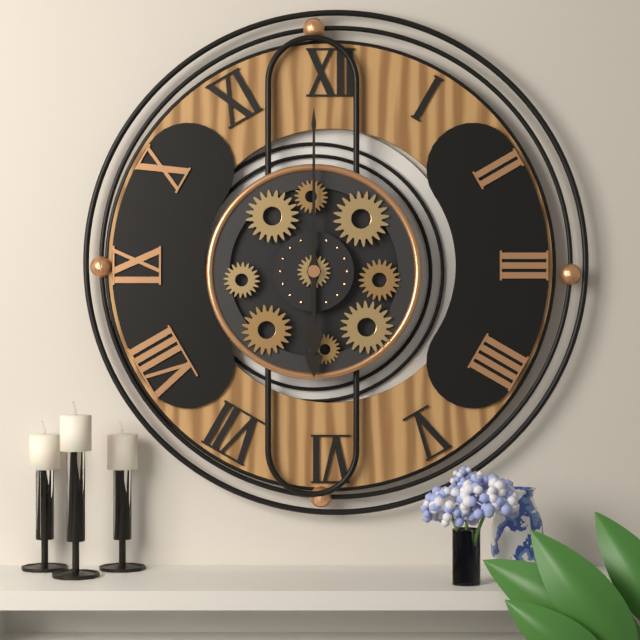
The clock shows 6 h 00 min
